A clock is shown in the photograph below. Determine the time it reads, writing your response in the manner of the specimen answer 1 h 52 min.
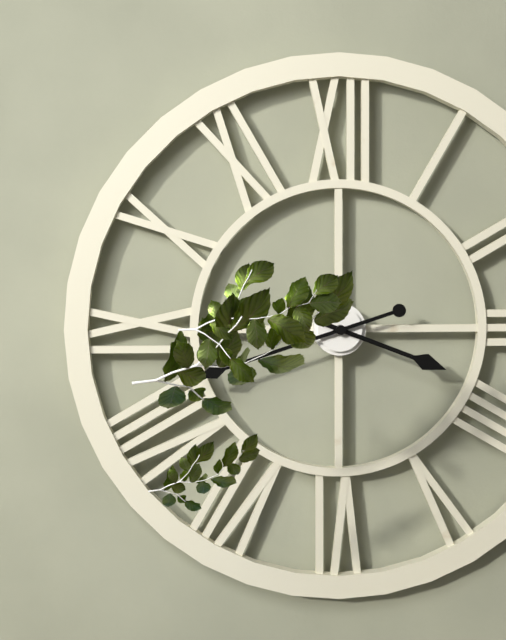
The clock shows 3 h 42 min
